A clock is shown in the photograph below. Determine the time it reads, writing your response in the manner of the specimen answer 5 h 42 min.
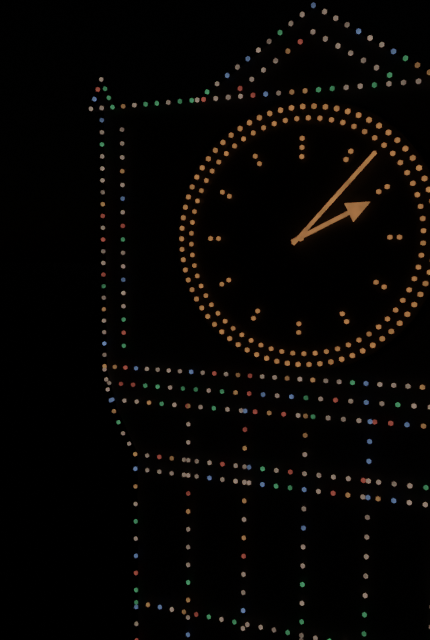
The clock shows 2 h 07 min
